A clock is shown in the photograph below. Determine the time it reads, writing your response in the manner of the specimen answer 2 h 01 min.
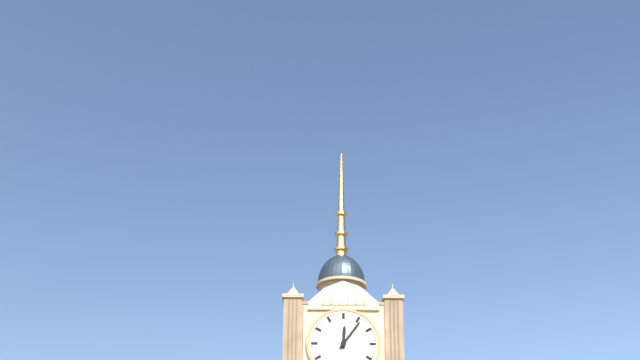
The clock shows 12 h 06 min
